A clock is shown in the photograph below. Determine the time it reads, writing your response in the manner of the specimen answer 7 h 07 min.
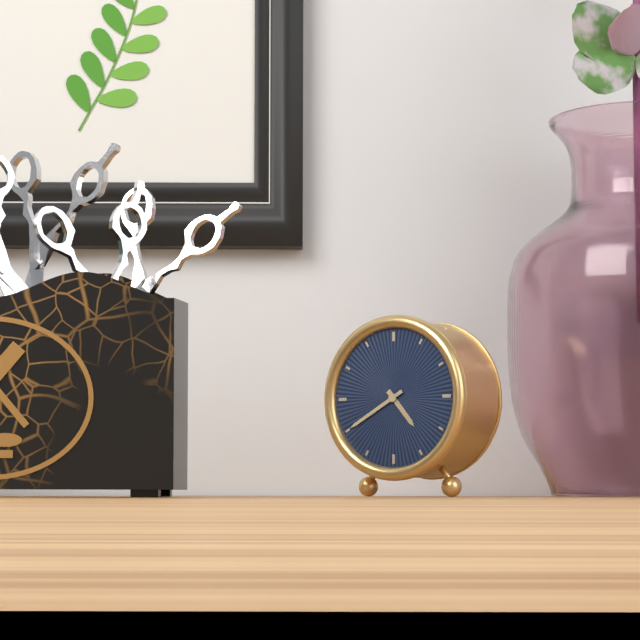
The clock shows 4 h 40 min
